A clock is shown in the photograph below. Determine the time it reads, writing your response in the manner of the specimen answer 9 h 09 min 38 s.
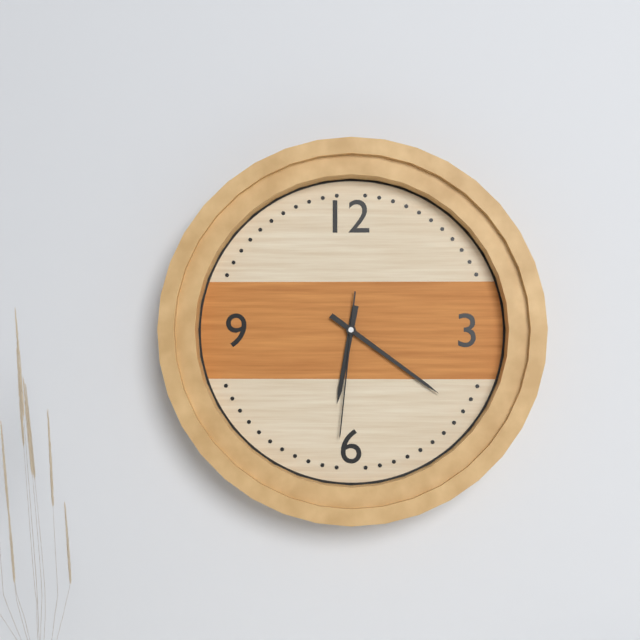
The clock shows 6 h 21 min 31 s
